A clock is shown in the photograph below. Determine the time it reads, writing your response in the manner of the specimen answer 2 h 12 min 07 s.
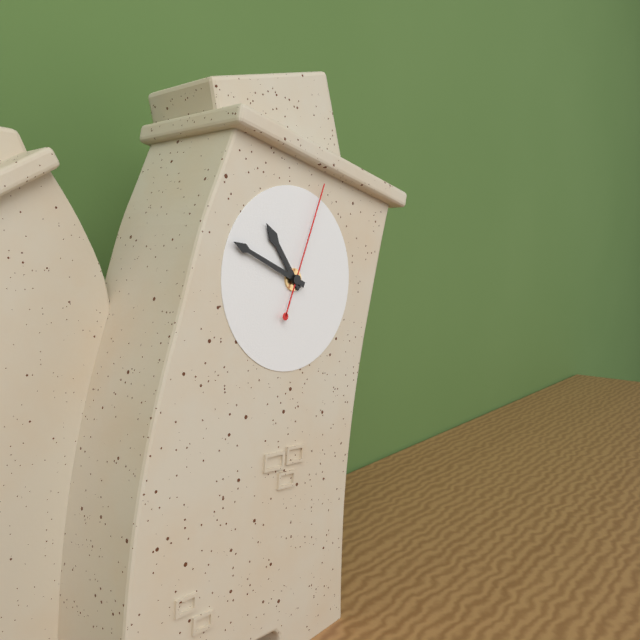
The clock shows 10 h 49 min 04 s
